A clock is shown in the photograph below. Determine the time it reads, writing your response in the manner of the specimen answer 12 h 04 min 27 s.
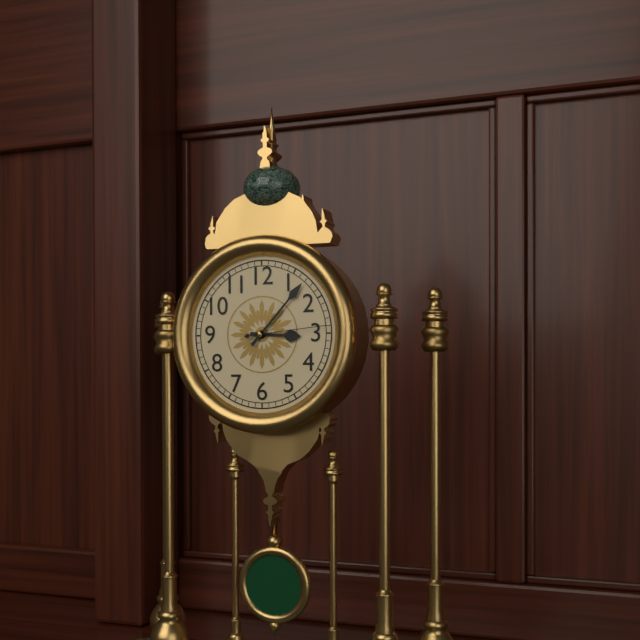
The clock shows 3 h 07 min 14 s
